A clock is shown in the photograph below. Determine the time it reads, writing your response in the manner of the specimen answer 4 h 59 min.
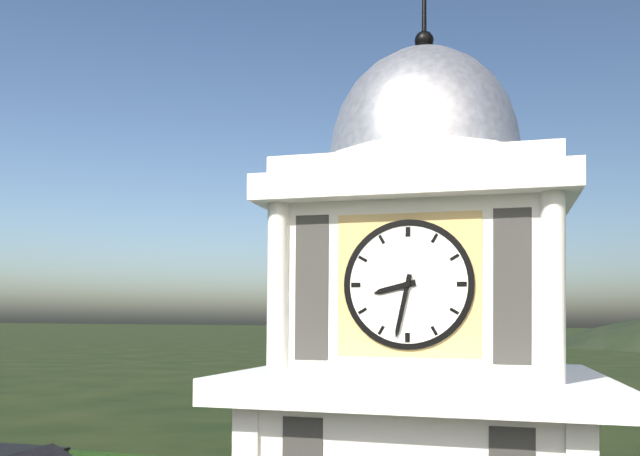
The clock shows 8 h 32 min
